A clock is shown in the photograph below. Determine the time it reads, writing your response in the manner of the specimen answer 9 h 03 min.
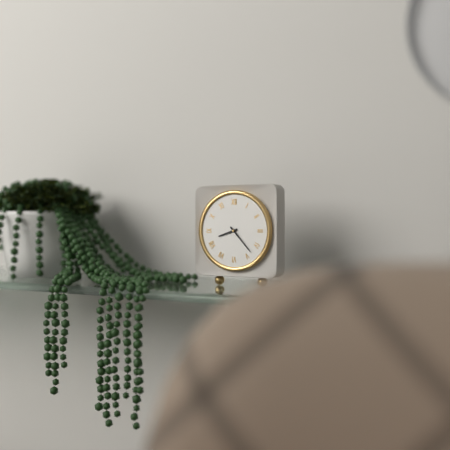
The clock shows 8 h 23 min
